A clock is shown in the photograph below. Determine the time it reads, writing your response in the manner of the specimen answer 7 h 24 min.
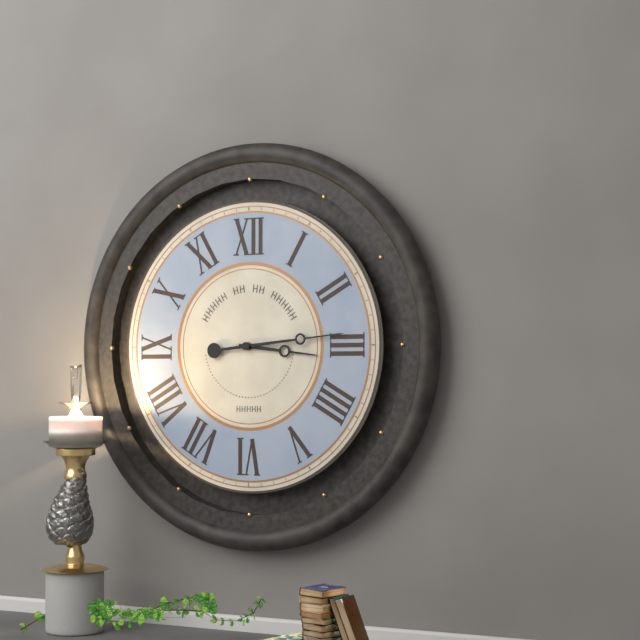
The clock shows 3 h 14 min
